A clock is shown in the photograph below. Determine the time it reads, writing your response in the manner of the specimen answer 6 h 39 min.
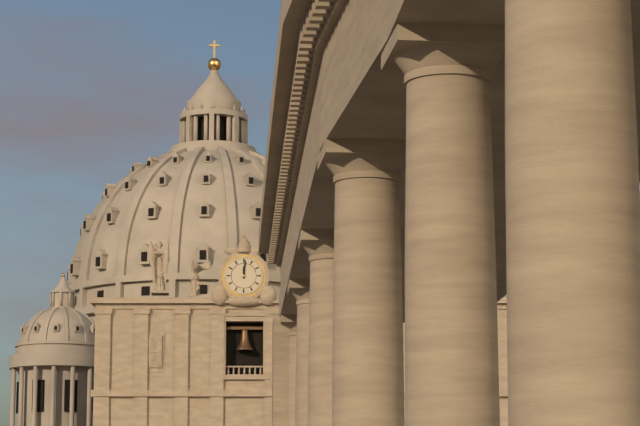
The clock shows 12 h 01 min
